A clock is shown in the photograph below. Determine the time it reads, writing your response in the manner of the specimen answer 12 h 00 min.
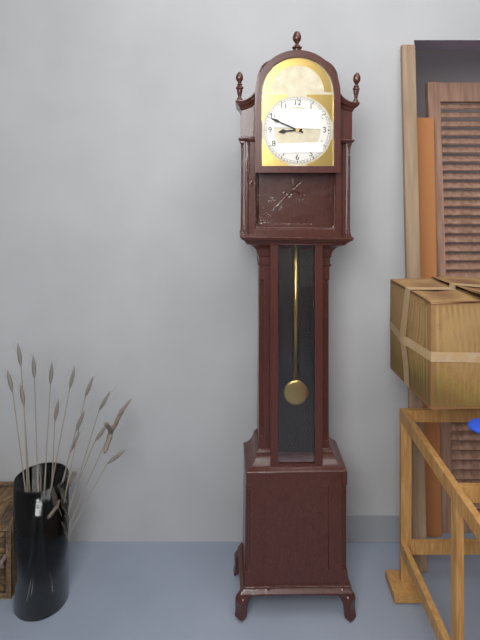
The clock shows 8 h 49 min
